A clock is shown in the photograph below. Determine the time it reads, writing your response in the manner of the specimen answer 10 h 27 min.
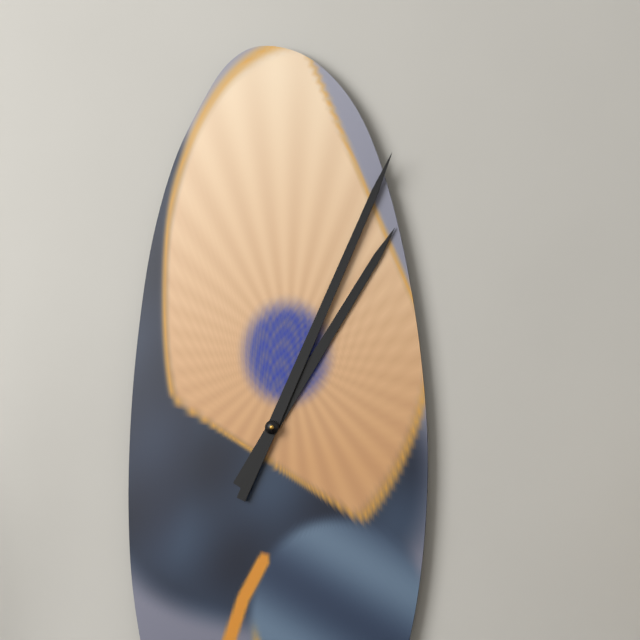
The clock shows 1 h 04 min
